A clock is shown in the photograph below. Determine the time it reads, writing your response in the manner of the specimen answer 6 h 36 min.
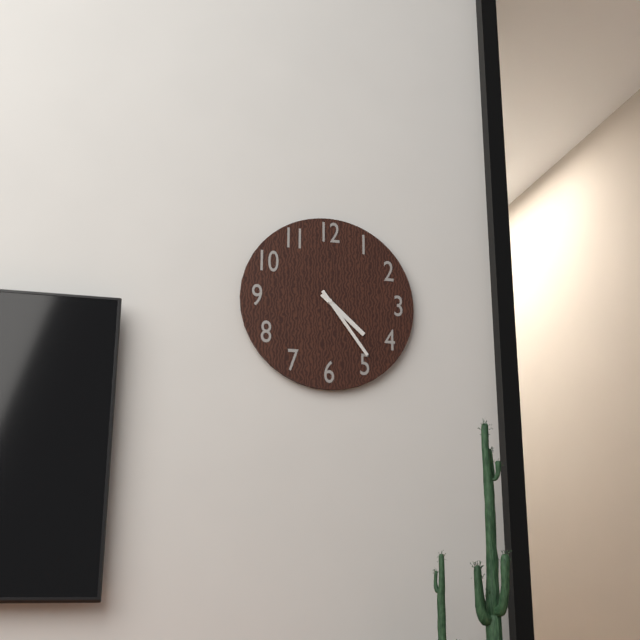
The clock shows 4 h 24 min
